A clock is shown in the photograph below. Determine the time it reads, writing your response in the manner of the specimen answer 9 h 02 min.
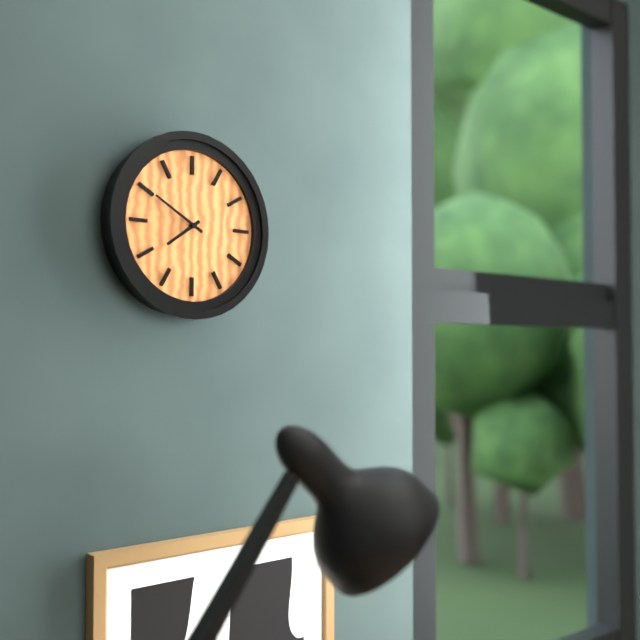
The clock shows 7 h 50 min
